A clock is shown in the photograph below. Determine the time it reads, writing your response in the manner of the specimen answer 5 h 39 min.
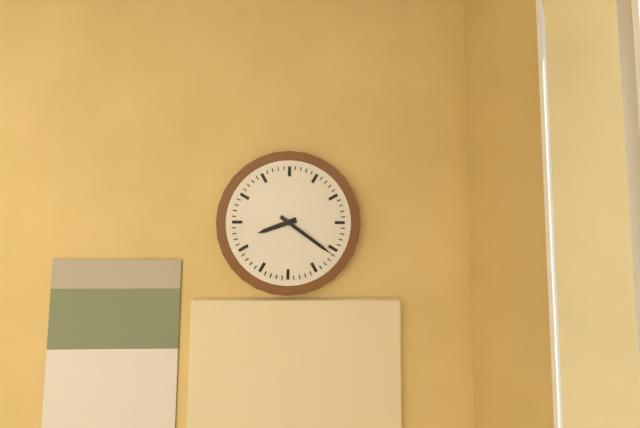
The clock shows 8 h 21 min
